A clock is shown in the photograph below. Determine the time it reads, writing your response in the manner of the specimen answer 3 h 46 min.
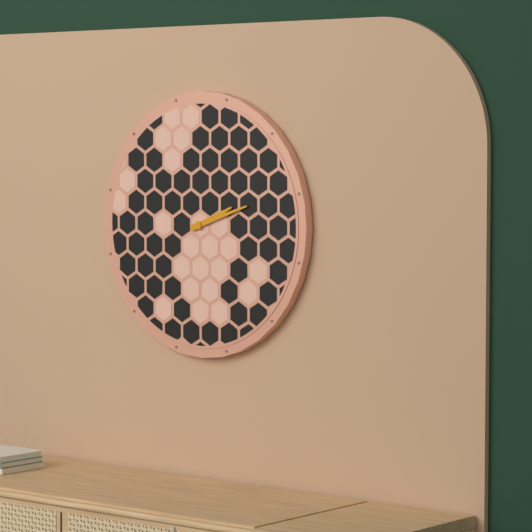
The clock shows 2 h 12 min
